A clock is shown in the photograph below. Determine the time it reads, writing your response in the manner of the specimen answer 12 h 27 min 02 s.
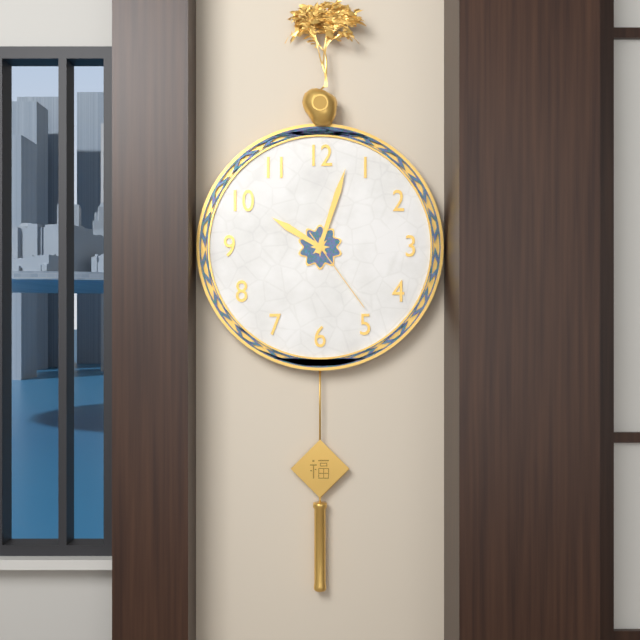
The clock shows 10 h 03 min 24 s
